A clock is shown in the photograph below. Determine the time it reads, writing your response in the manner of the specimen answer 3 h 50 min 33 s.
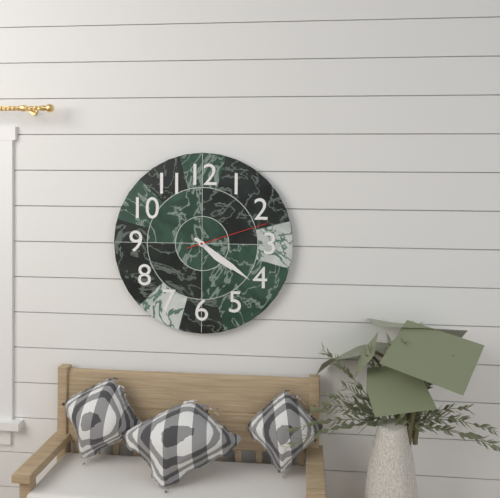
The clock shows 4 h 21 min 12 s
